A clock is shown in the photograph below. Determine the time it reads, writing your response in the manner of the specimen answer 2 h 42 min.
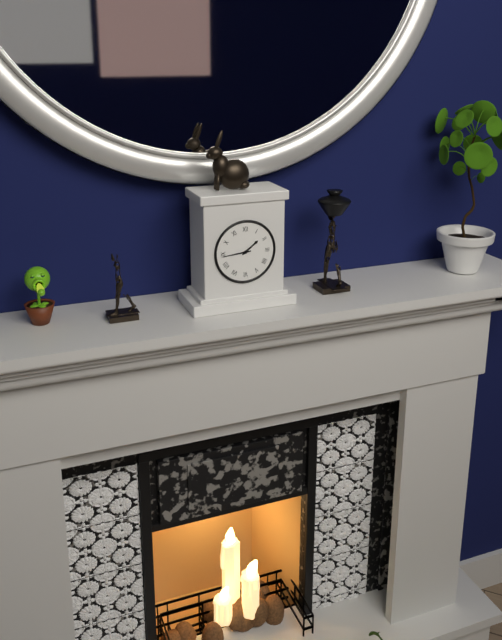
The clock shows 1 h 44 min
